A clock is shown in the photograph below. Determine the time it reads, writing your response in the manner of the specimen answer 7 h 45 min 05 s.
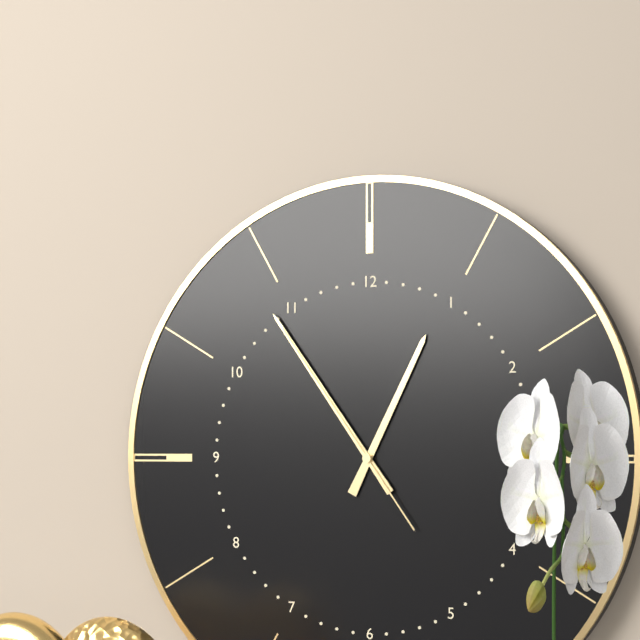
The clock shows 12 h 54 min 54 s
